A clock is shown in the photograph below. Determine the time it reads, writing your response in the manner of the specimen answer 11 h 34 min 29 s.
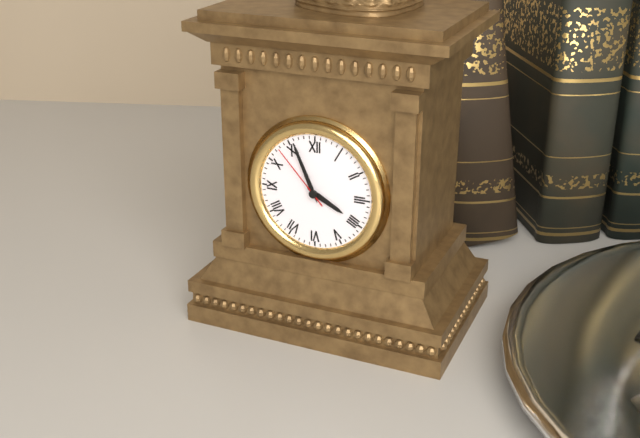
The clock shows 3 h 56 min 53 s
